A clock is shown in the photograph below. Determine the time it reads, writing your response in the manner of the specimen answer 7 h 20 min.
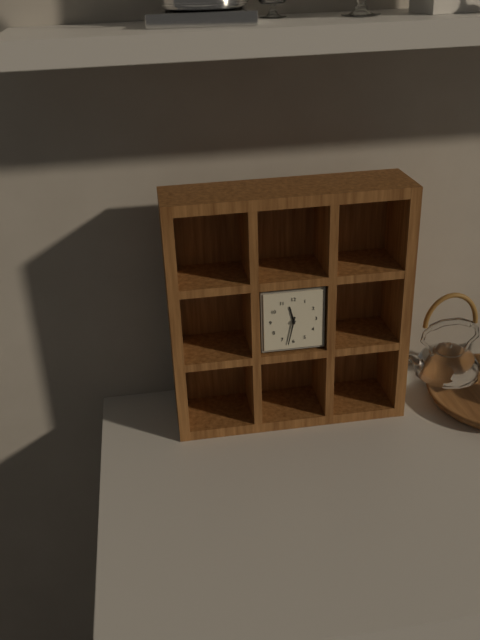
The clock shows 11 h 32 min
